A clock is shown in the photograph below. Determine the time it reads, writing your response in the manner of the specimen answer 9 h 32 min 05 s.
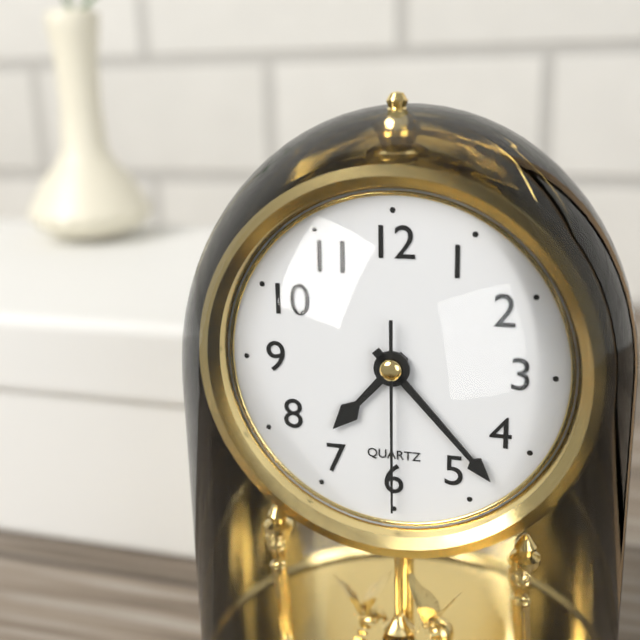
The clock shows 7 h 23 min 30 s
